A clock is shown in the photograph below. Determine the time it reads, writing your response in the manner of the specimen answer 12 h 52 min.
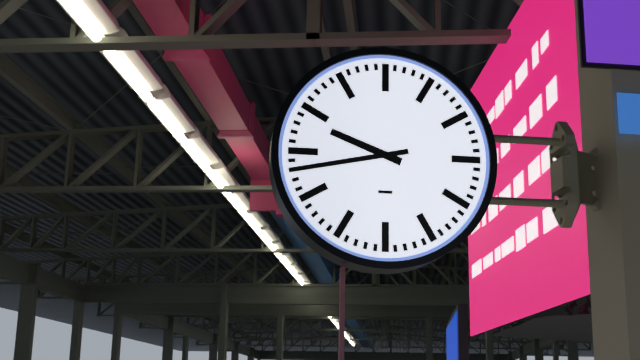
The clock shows 9 h 43 min
